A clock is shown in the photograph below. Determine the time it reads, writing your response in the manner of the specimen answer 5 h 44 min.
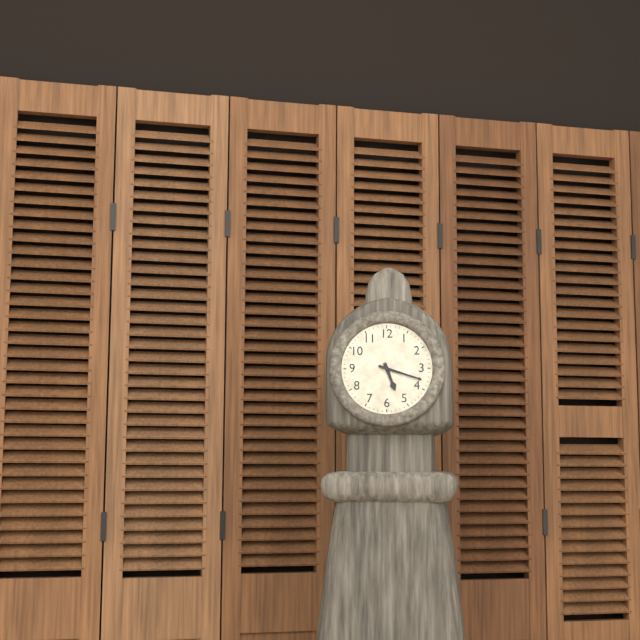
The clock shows 5 h 18 min
